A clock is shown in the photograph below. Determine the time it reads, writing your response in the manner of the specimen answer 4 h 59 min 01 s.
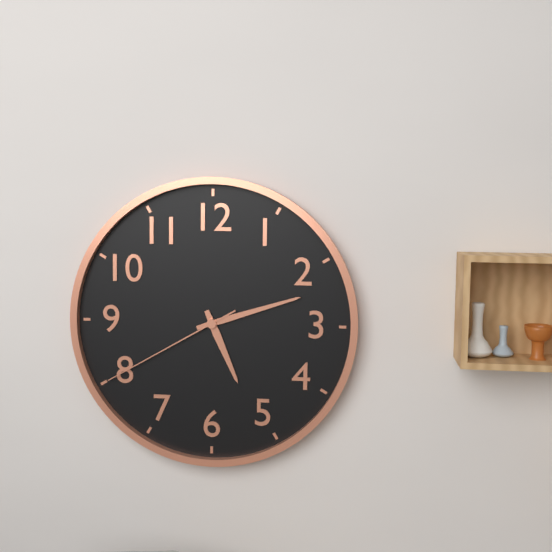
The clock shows 5 h 12 min 40 s
